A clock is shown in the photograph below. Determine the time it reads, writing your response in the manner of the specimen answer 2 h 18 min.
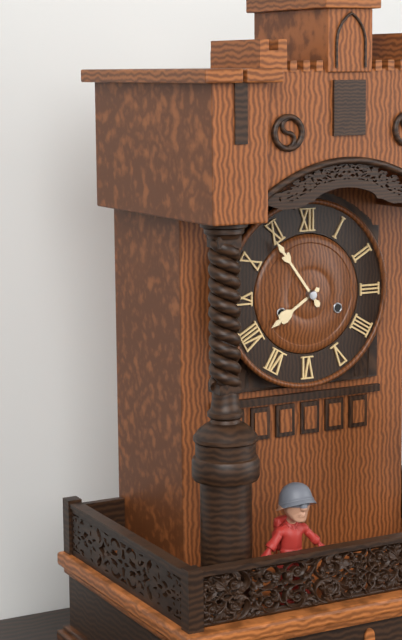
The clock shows 7 h 54 min
